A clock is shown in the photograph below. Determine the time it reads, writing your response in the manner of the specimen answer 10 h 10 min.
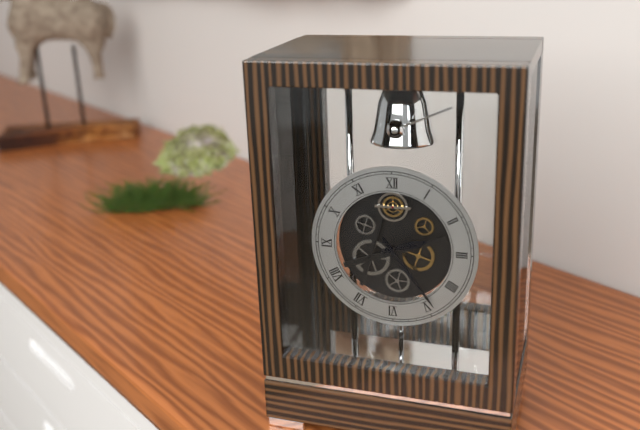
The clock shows 2 h 24 min
